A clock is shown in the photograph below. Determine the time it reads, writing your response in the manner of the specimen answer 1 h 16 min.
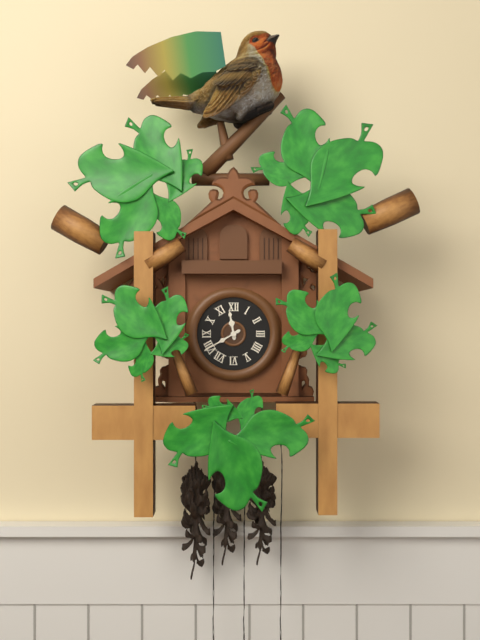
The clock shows 11 h 40 min
